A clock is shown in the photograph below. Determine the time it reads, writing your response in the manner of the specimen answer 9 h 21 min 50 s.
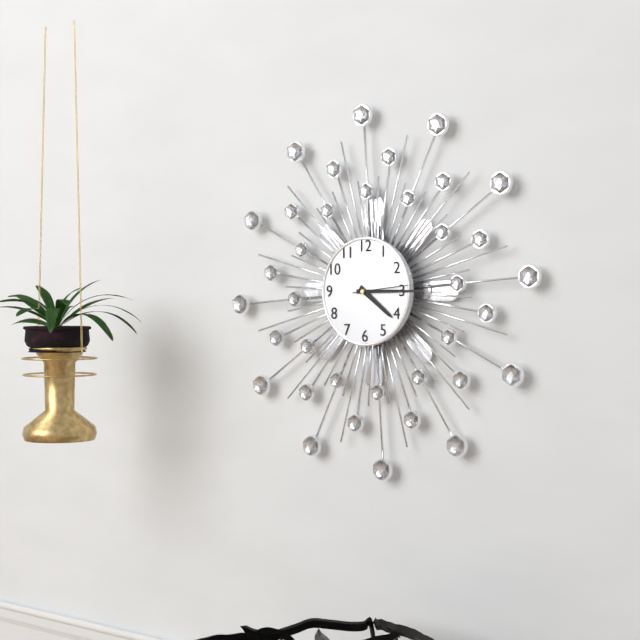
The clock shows 4 h 15 min 14 s
